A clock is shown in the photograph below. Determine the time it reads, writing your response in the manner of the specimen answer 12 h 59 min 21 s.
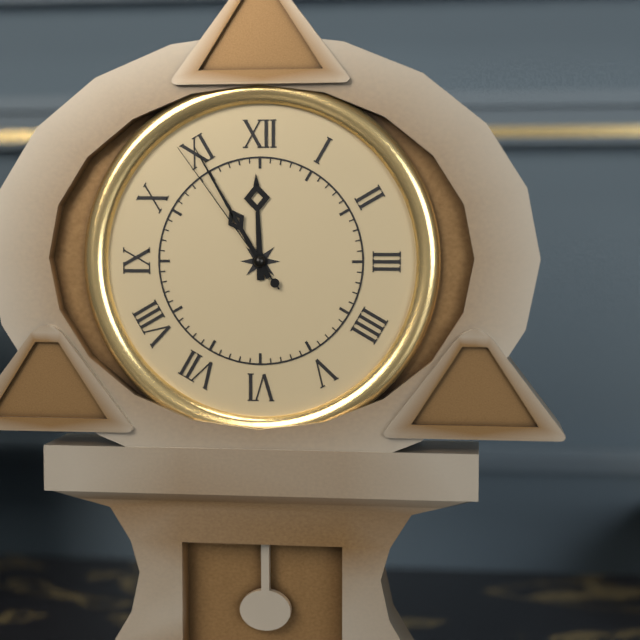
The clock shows 11 h 55 min 54 s
